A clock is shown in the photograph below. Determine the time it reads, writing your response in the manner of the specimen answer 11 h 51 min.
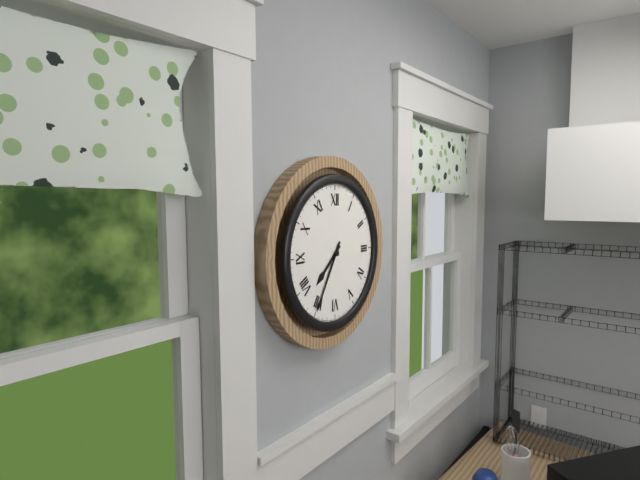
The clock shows 7 h 35 min
